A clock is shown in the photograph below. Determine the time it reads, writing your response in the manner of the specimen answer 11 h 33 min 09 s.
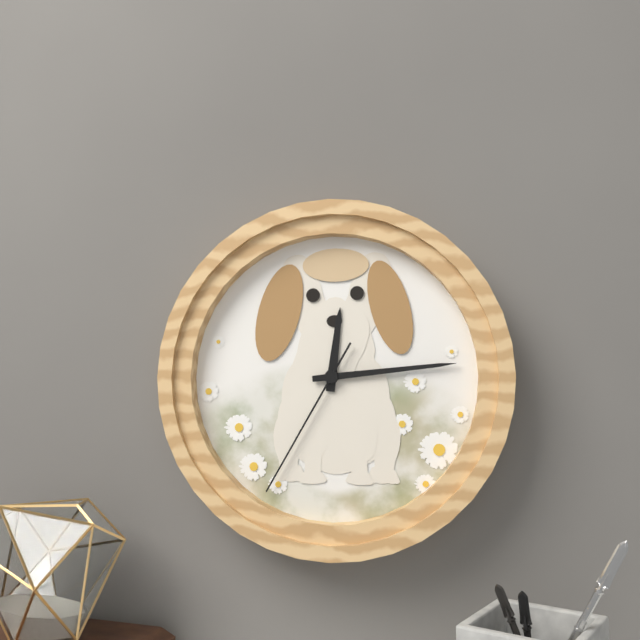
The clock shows 12 h 14 min 35 s
